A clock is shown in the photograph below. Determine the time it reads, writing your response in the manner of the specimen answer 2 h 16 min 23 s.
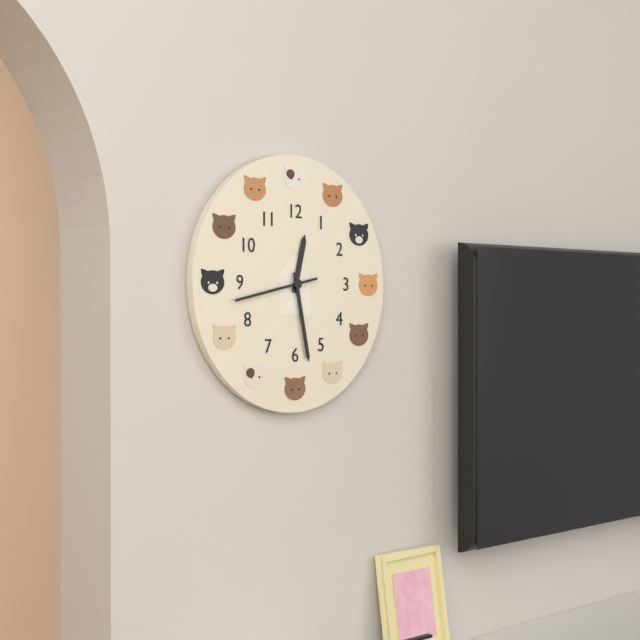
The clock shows 12 h 28 min 43 s
